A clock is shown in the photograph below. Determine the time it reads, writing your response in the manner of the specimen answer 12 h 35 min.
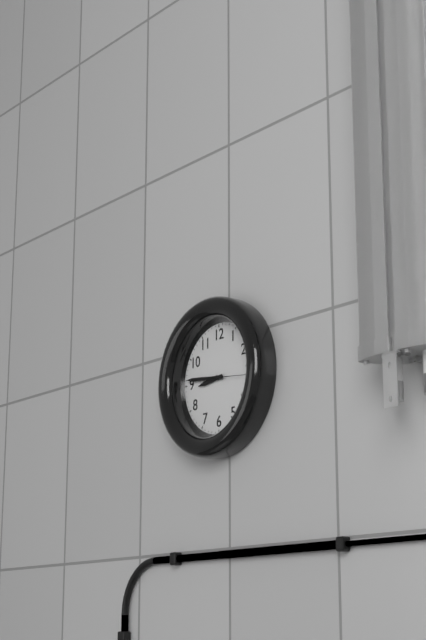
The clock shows 8 h 46 min
